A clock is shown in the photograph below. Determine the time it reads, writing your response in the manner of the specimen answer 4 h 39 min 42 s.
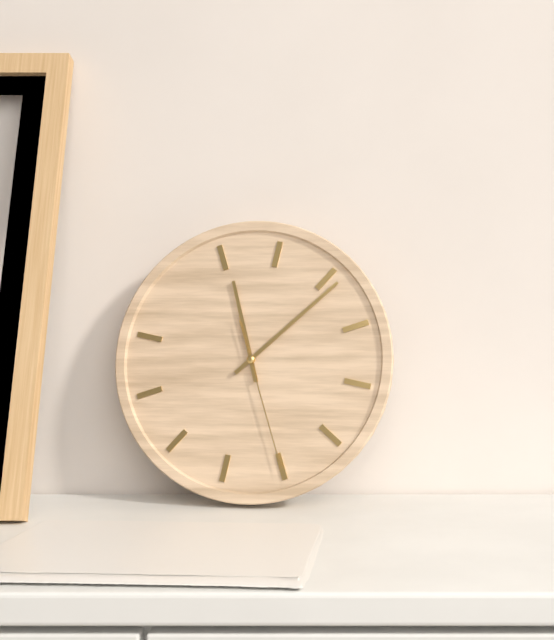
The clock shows 11 h 06 min 25 s
